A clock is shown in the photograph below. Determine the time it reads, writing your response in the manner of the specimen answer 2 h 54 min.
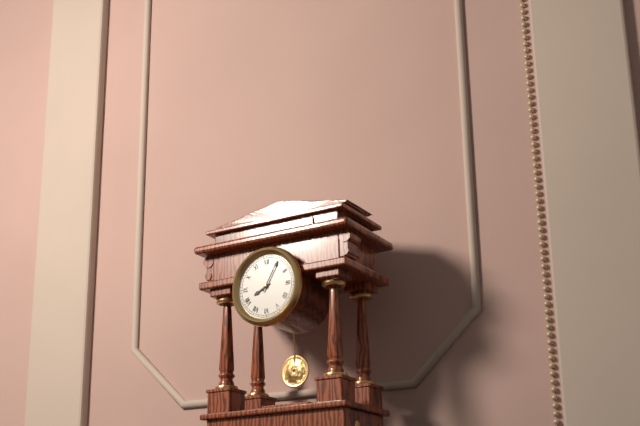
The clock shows 8 h 05 min
